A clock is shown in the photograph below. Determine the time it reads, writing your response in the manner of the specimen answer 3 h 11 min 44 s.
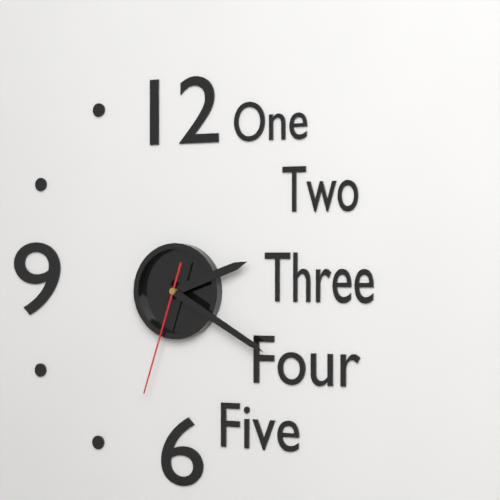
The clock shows 2 h 20 min 33 s
